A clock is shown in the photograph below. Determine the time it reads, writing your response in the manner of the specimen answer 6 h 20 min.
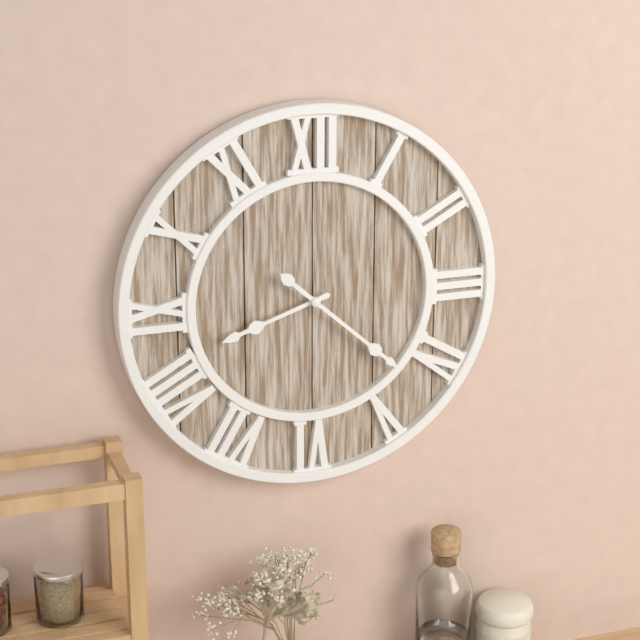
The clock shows 8 h 22 min
